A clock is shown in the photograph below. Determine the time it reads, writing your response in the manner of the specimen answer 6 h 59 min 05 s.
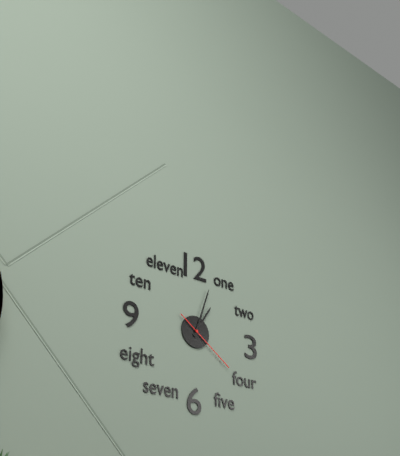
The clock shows 1 h 03 min 21 s
